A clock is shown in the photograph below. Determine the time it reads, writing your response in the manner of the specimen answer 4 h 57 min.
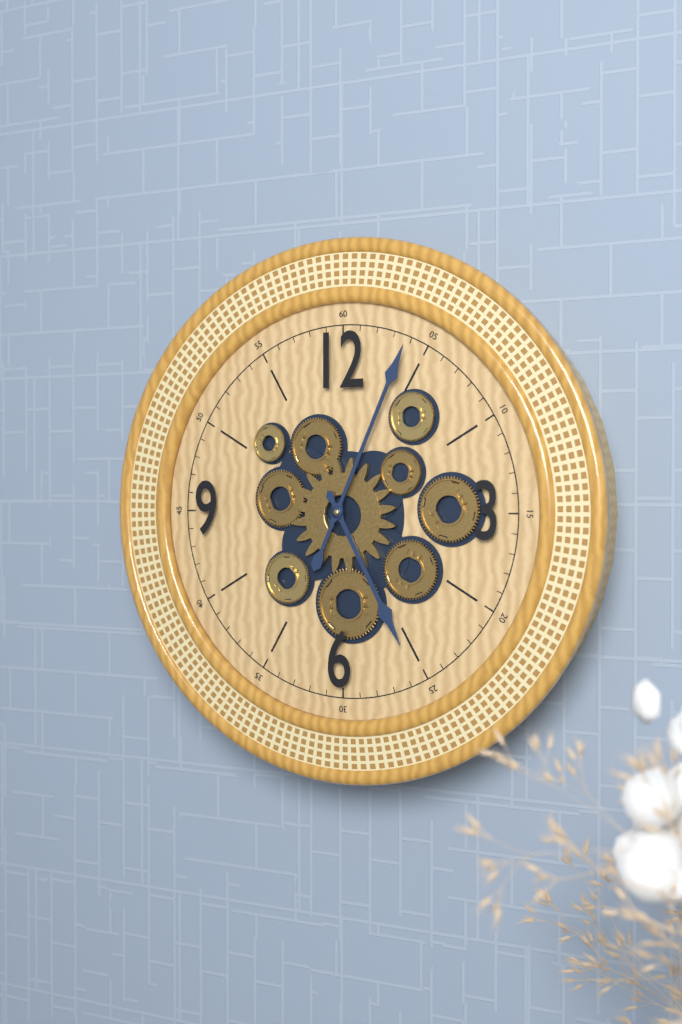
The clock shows 5 h 04 min
